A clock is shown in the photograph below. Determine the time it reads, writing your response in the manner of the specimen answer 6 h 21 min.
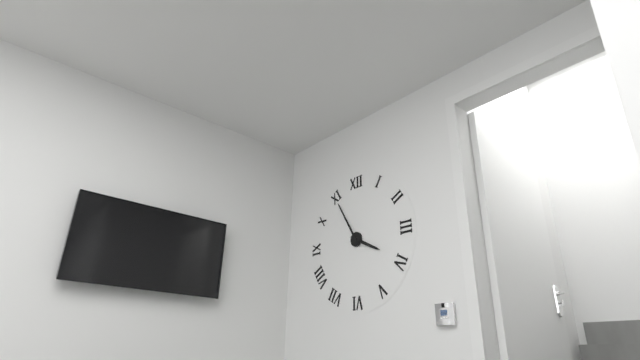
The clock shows 3 h 55 min
